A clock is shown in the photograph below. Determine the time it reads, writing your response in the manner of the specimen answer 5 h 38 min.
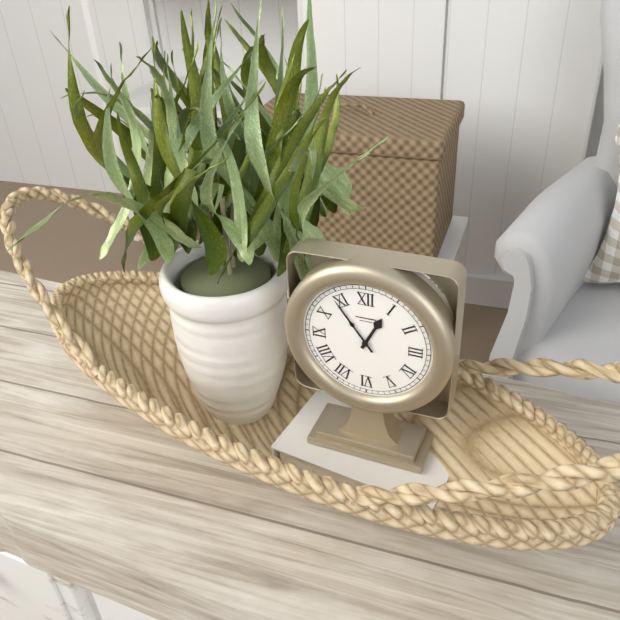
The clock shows 12 h 54 min
